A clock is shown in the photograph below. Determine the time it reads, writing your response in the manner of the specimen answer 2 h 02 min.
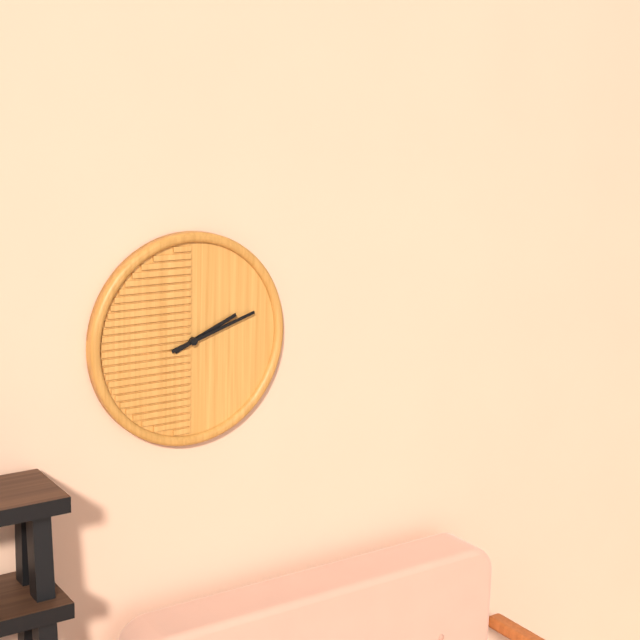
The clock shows 2 h 12 min
